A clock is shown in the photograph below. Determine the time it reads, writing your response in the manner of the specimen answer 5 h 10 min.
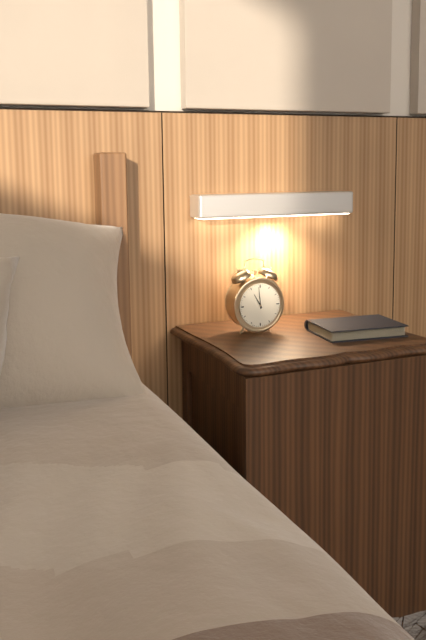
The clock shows 10 h 59 min
